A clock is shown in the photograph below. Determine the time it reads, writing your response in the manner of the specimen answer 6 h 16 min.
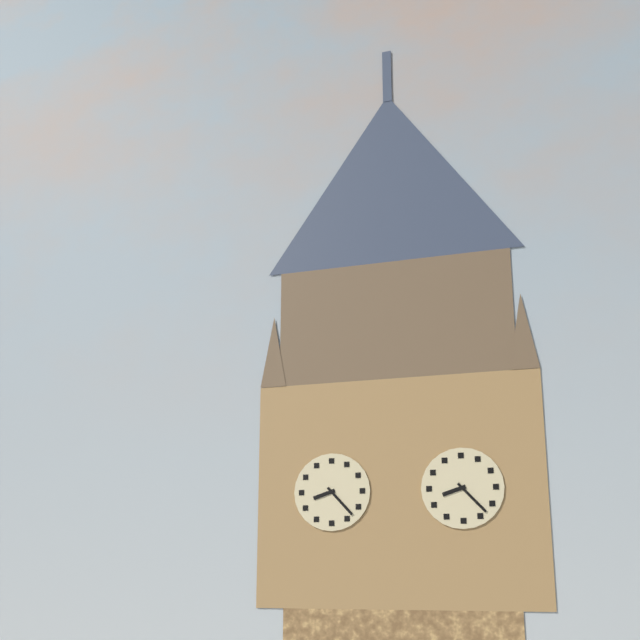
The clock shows 8 h 23 min
